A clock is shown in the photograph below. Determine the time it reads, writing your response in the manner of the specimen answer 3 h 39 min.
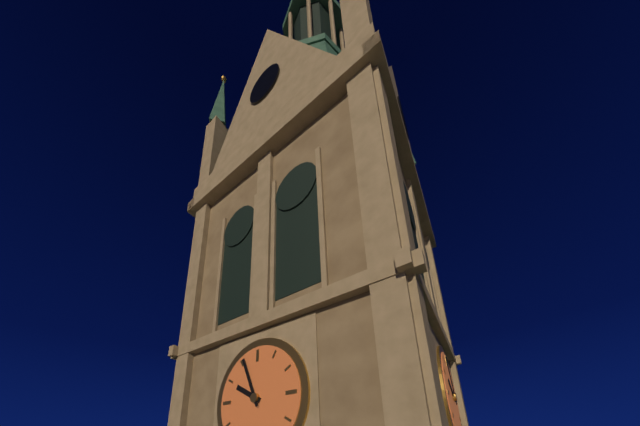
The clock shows 9 h 56 min
